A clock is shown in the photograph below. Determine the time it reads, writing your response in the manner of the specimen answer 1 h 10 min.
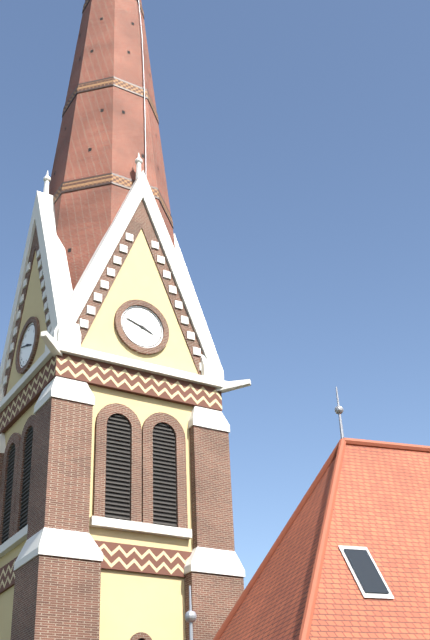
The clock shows 3 h 48 min
